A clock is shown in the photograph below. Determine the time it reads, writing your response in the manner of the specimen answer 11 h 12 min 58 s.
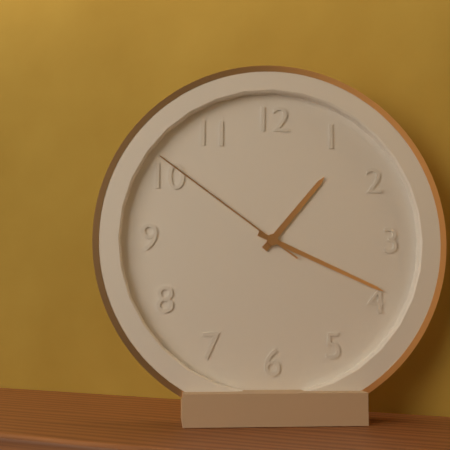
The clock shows 1 h 19 min 51 s
